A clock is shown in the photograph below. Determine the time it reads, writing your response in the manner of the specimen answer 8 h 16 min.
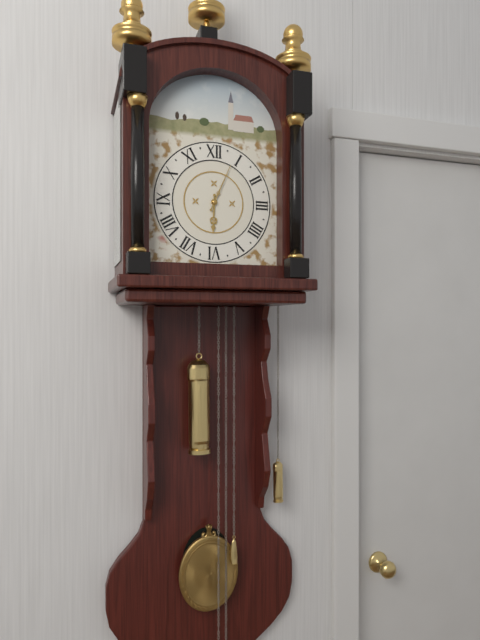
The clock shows 6 h 04 min
